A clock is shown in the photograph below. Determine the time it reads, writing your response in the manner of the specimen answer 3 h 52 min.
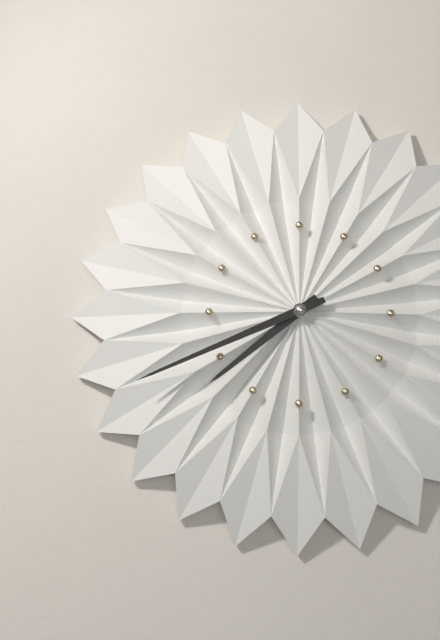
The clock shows 7 h 41 min
